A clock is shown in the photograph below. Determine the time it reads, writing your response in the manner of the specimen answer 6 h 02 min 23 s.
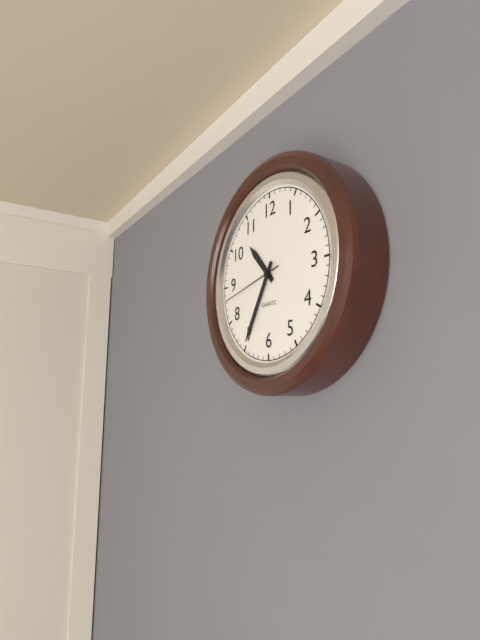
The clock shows 10 h 35 min 43 s
